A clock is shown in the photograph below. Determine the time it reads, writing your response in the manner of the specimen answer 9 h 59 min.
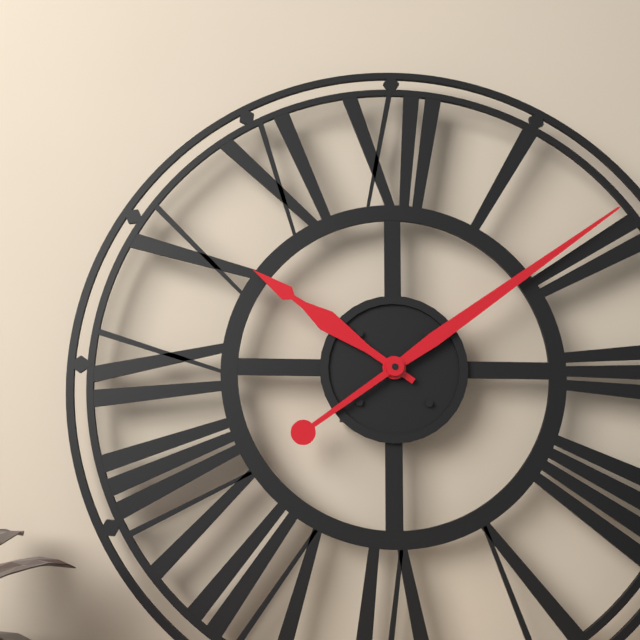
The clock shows 10 h 09 min
